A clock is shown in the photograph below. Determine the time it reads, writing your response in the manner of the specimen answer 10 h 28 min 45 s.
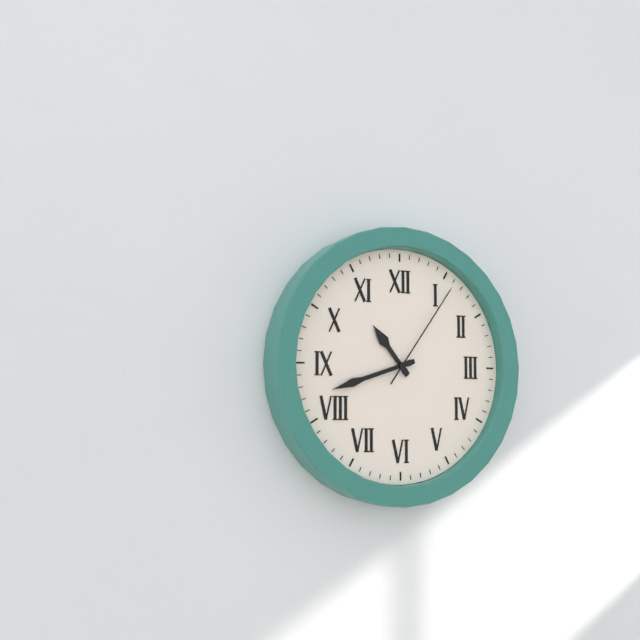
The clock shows 10 h 42 min 06 s
